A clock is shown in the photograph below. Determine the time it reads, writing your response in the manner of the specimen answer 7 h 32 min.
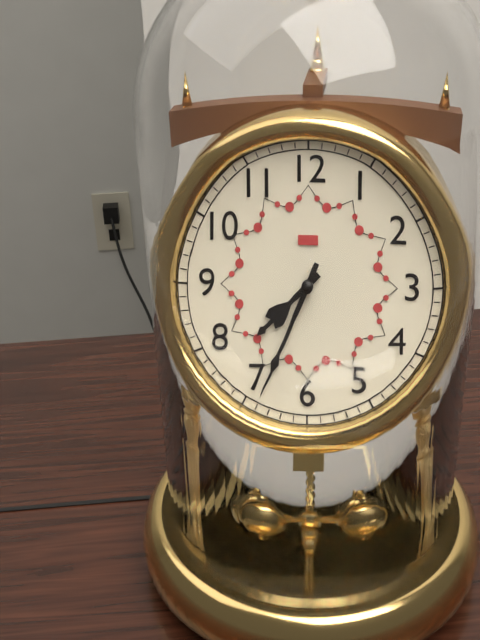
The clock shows 7 h 34 min
